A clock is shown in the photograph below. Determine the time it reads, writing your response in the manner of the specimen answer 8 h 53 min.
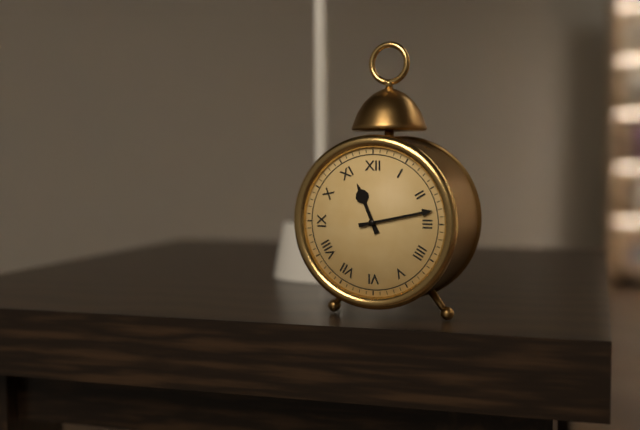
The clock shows 11 h 13 min
